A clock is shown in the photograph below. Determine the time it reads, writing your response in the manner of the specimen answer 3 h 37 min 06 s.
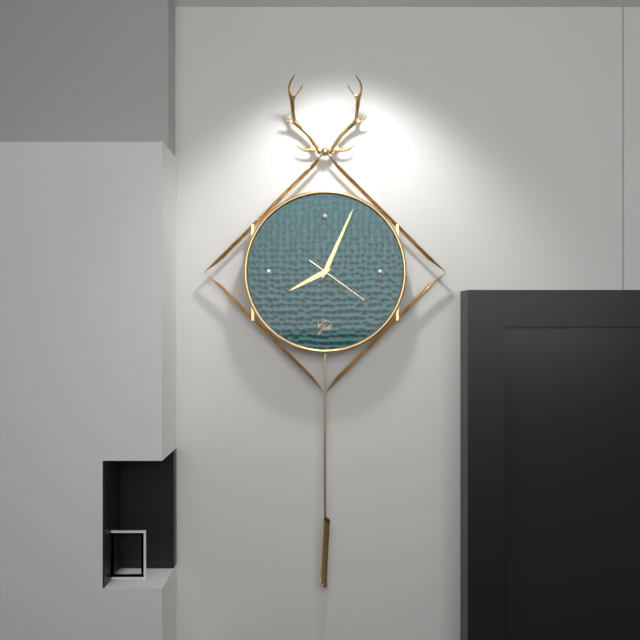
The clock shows 8 h 04 min 21 s
